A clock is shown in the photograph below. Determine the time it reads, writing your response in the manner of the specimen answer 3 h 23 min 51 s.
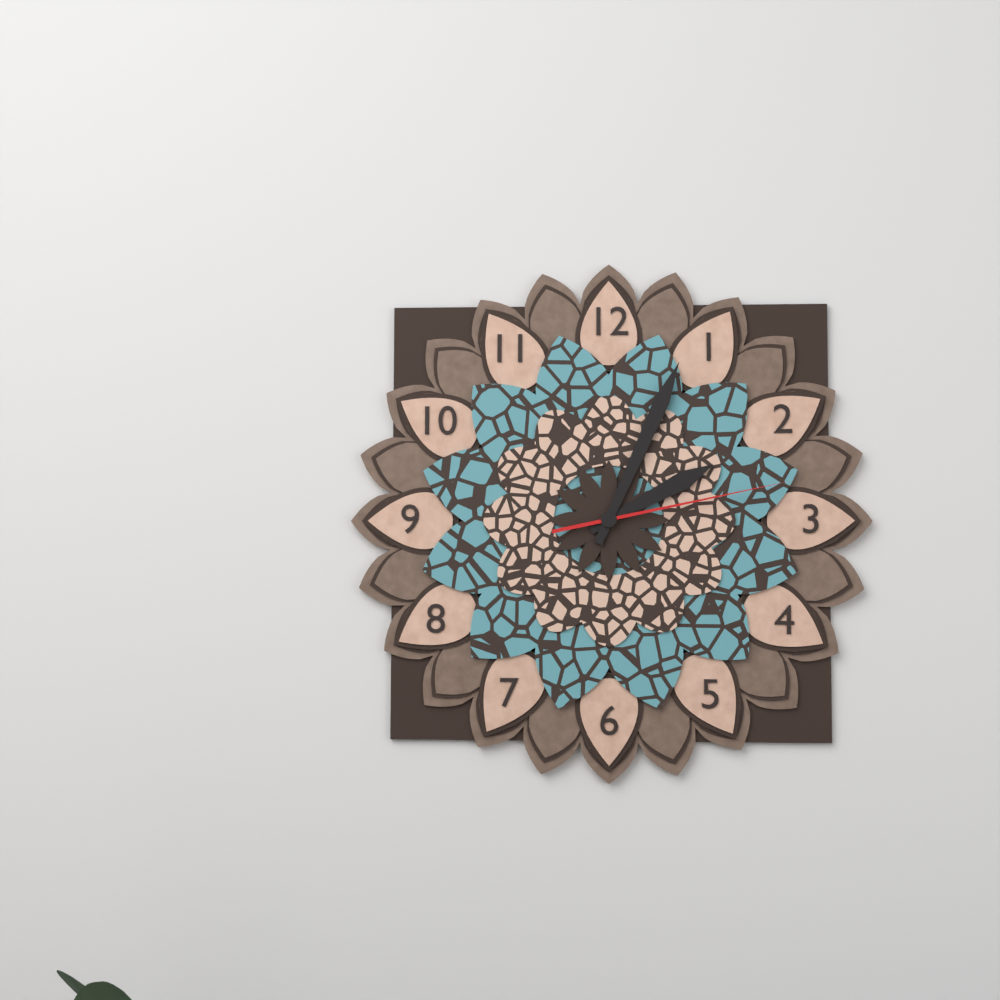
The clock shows 2 h 04 min 13 s
